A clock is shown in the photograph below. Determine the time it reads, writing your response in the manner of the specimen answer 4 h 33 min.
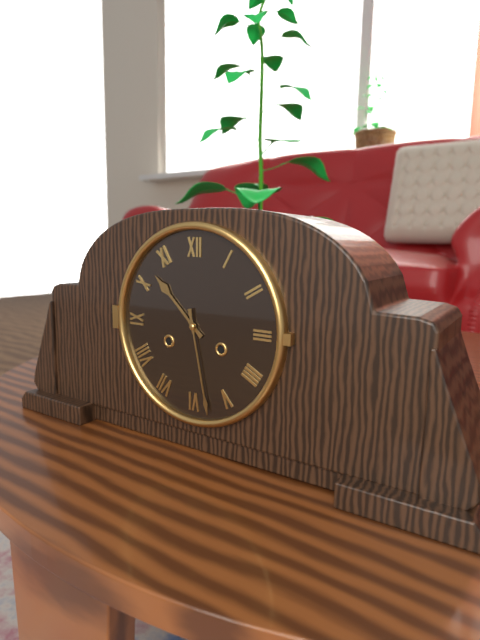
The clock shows 10 h 28 min
